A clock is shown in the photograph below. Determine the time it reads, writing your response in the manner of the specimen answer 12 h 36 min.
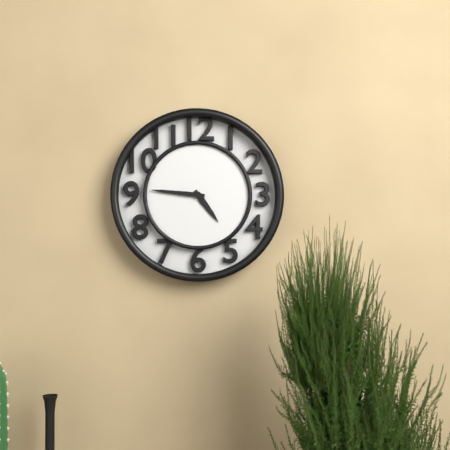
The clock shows 4 h 46 min
